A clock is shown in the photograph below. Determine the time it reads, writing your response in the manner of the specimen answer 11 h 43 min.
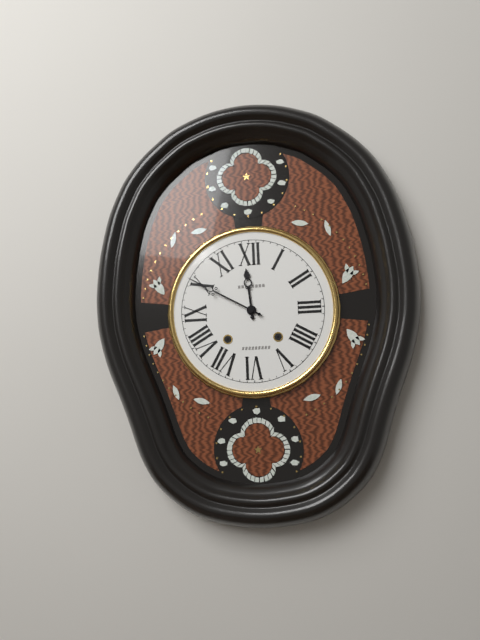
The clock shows 11 h 50 min
